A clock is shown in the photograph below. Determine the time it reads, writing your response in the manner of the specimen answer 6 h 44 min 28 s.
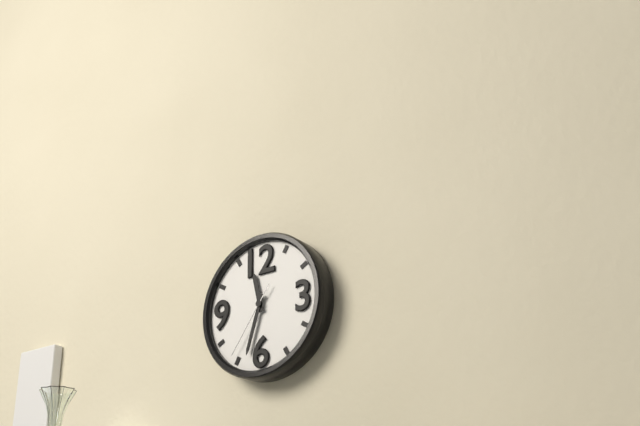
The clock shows 11 h 33 min 36 s
